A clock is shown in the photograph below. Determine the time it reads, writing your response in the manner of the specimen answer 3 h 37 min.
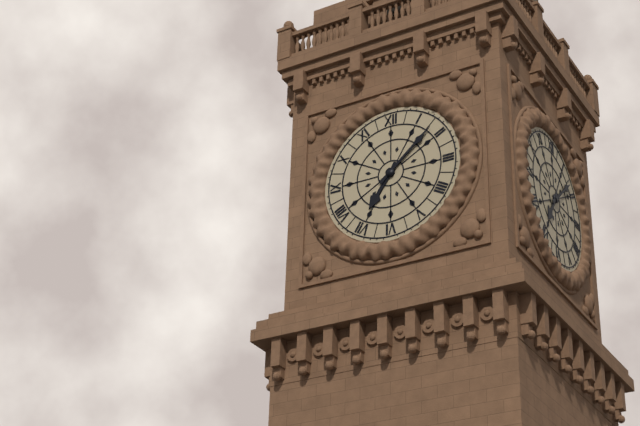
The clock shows 7 h 08 min
